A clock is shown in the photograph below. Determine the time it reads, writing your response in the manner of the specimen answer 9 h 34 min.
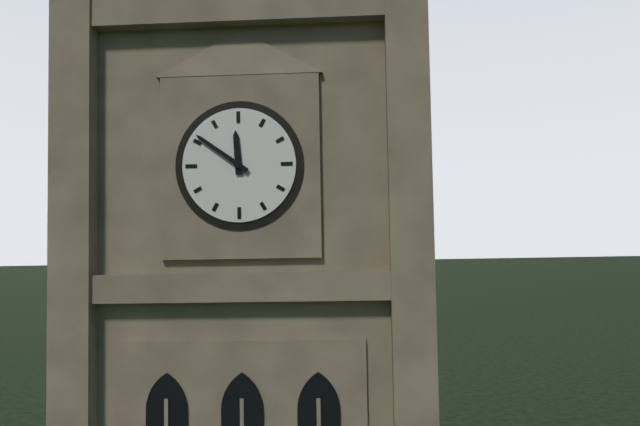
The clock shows 11 h 51 min
